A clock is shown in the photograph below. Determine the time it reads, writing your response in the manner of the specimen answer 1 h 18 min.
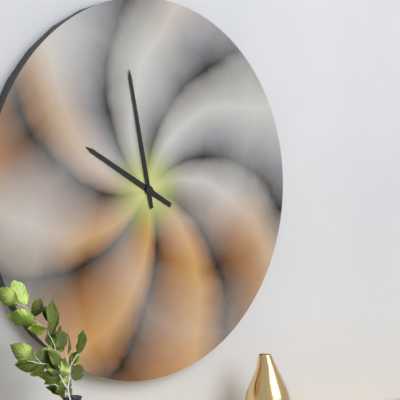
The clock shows 9 h 58 min
